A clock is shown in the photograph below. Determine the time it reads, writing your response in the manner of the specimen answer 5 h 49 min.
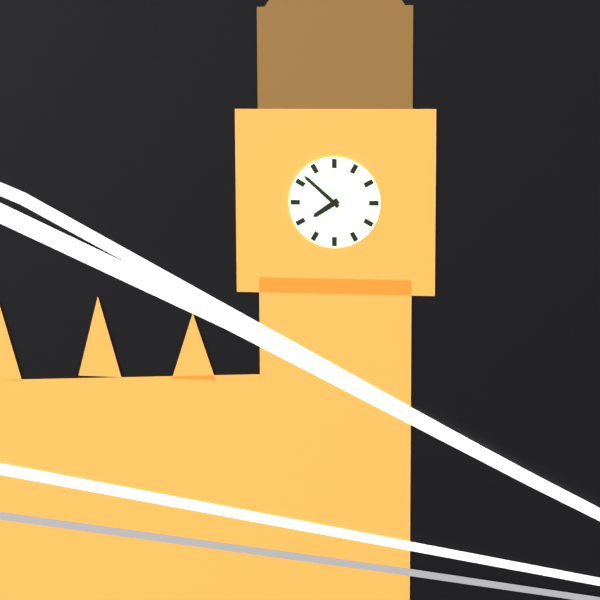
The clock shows 7 h 52 min
